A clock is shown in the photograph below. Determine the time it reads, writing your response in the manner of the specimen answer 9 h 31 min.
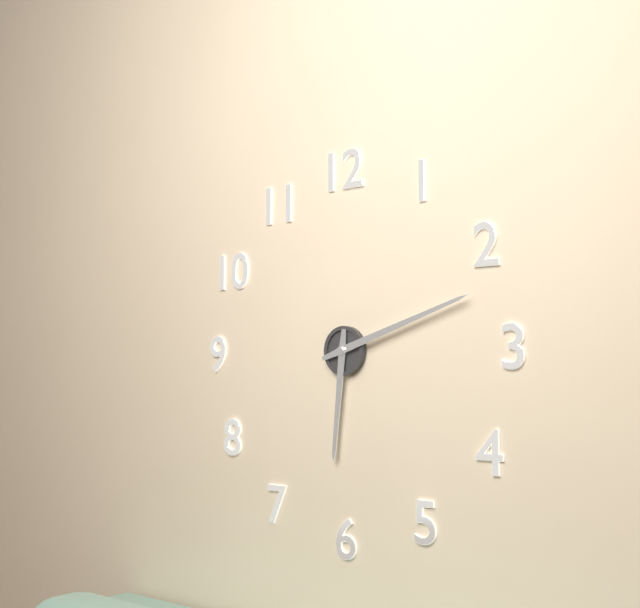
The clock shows 6 h 12 min
